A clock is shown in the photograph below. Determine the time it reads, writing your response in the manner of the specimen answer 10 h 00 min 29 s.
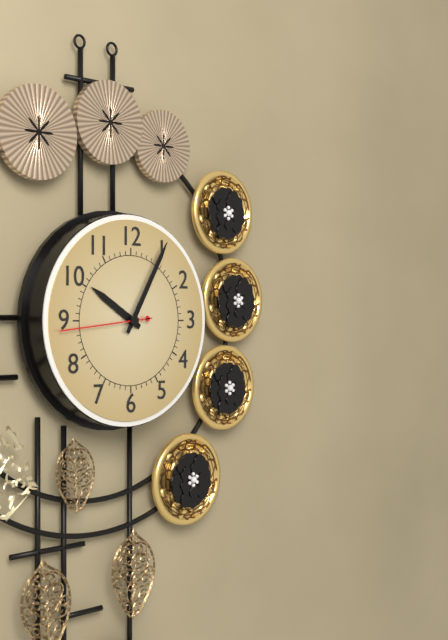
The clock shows 10 h 05 min 44 s
